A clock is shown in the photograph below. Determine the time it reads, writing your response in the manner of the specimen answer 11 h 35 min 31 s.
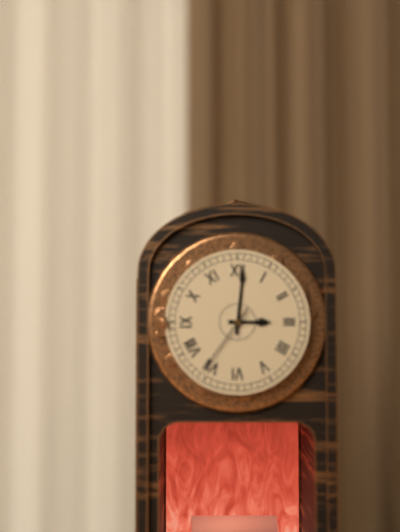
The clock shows 3 h 01 min 36 s
